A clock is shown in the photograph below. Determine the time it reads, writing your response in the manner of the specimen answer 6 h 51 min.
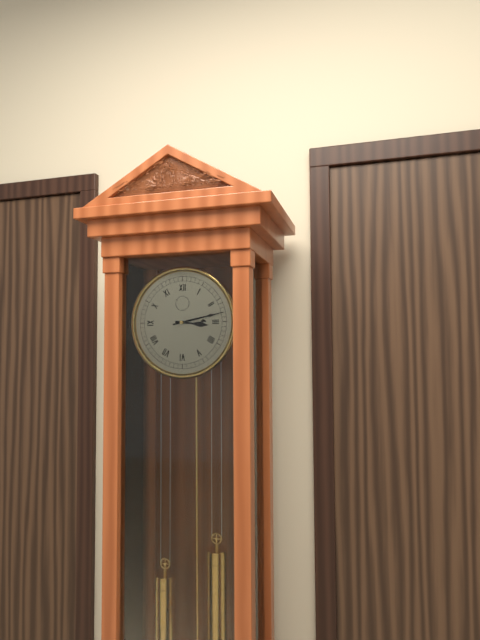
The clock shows 3 h 13 min
